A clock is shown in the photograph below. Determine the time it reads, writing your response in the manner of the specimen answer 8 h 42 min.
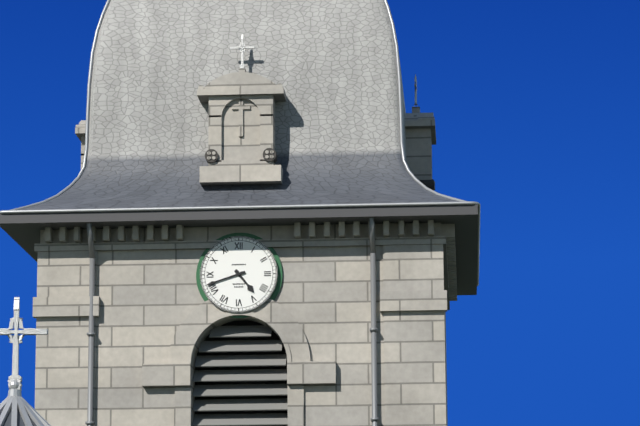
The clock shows 4 h 42 min
